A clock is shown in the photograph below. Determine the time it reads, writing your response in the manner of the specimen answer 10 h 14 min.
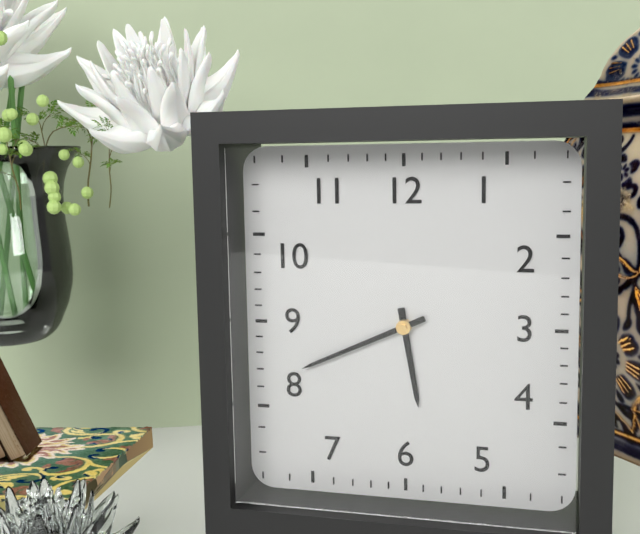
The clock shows 5 h 41 min
